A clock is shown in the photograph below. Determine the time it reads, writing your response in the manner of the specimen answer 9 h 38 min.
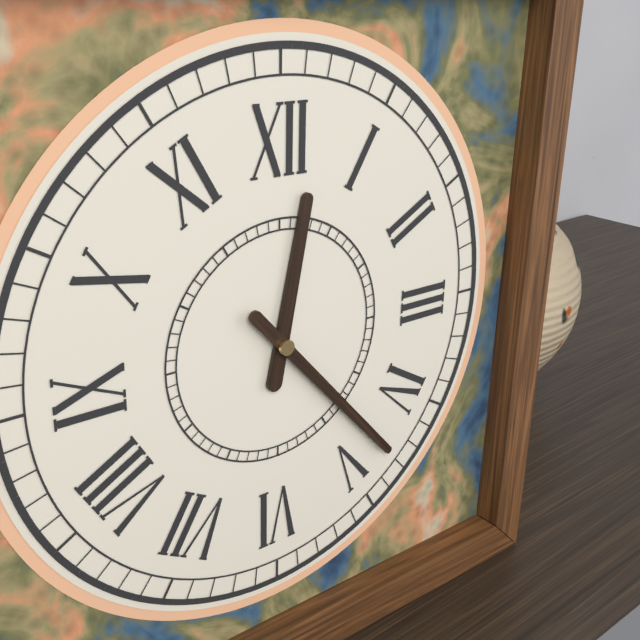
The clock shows 12 h 23 min
